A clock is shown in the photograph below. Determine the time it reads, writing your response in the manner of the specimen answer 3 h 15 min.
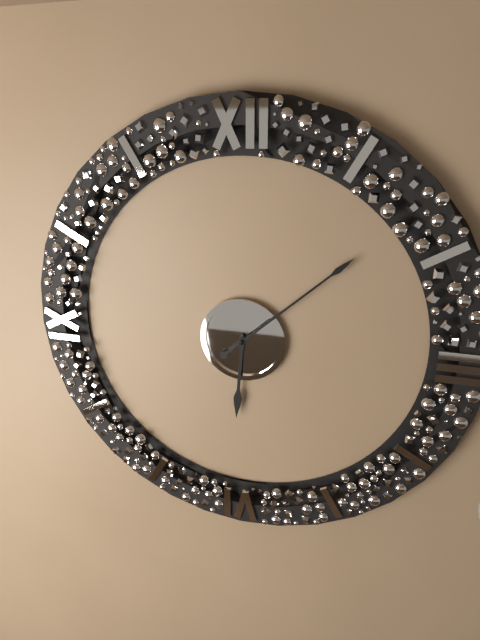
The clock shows 6 h 08 min
